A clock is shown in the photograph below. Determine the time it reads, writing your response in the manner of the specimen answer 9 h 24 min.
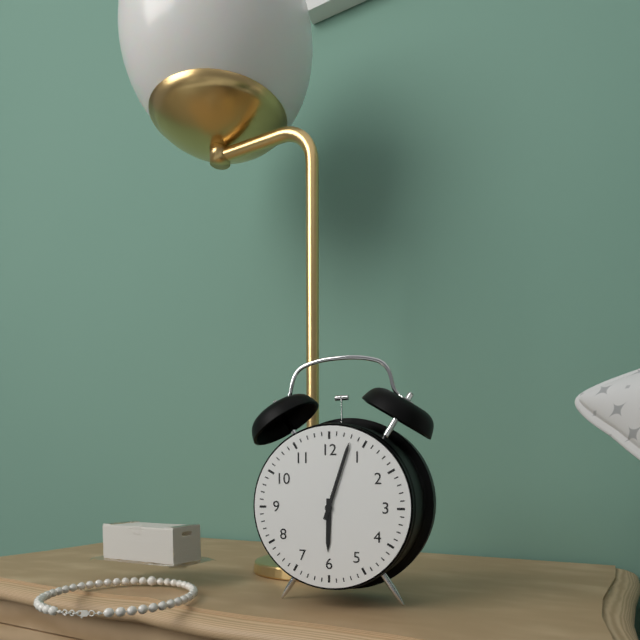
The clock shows 6 h 03 min
